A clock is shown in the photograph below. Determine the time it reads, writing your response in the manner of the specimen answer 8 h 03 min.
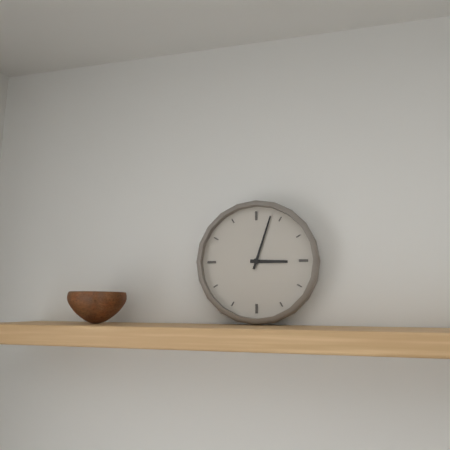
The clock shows 3 h 03 min
